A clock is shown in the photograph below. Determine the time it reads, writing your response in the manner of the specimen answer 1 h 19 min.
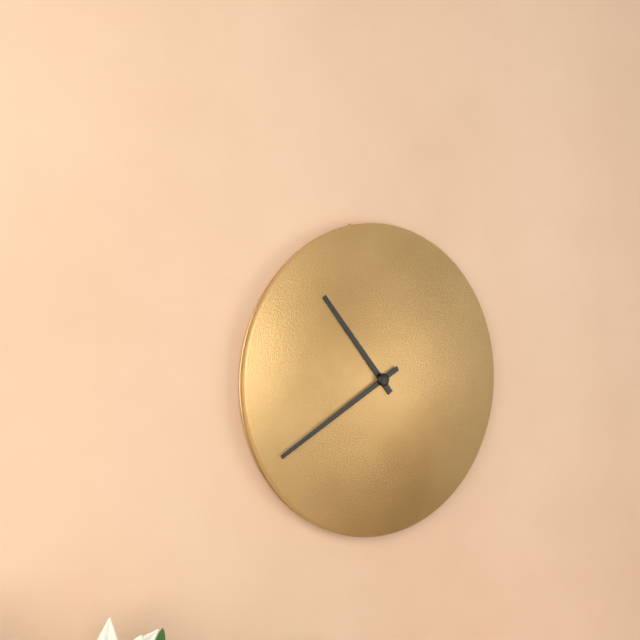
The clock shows 10 h 40 min
